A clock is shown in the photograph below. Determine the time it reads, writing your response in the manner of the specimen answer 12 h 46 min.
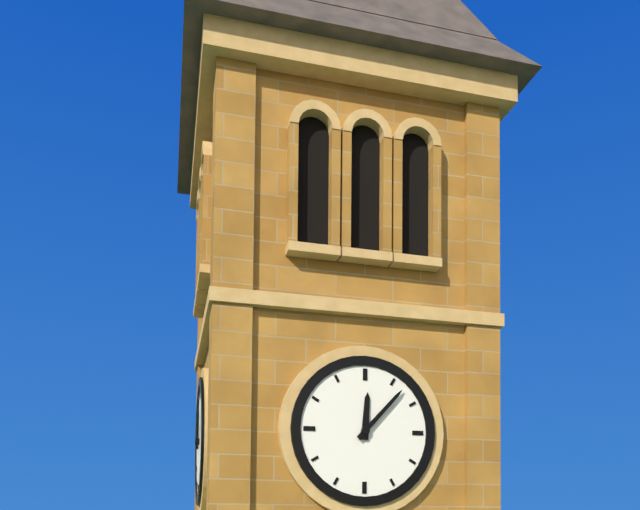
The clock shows 12 h 07 min
